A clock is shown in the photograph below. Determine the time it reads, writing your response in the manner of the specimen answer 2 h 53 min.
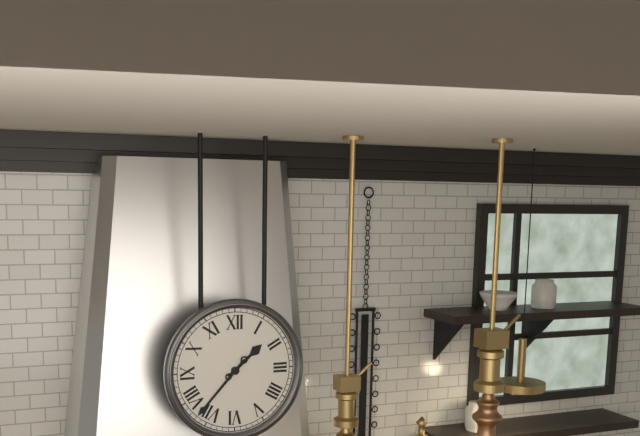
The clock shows 1 h 37 min
